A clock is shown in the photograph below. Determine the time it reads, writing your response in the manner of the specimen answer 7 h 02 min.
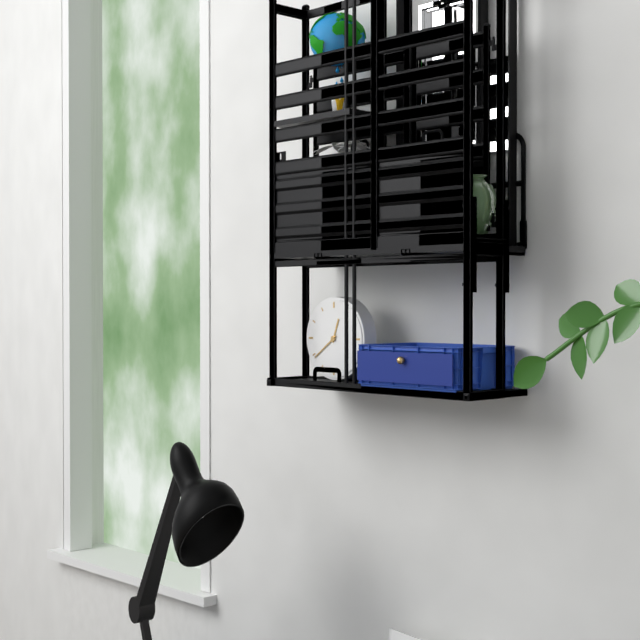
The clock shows 12 h 39 min
